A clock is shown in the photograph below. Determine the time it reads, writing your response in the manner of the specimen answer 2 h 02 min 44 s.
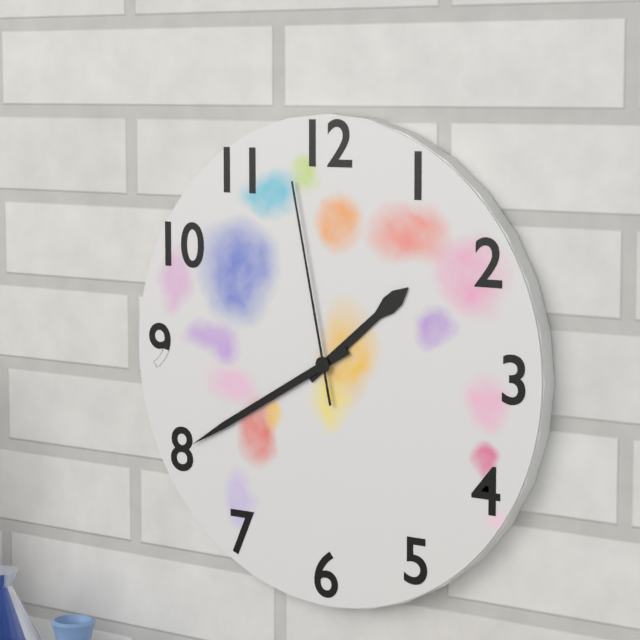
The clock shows 1 h 40 min 58 s
